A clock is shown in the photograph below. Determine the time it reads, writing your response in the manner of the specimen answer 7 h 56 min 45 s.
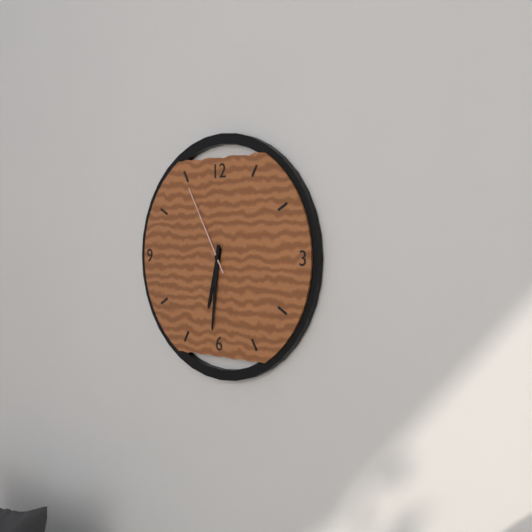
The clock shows 6 h 31 min 55 s
